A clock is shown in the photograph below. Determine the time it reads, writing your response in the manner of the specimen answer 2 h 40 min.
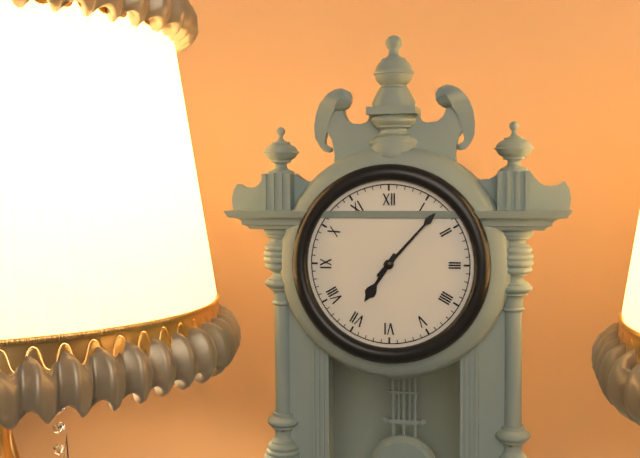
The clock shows 7 h 07 min
